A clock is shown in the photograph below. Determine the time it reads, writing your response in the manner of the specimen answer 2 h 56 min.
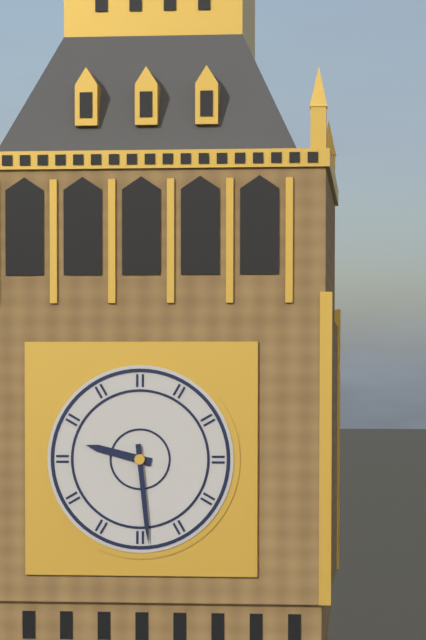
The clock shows 9 h 29 min
